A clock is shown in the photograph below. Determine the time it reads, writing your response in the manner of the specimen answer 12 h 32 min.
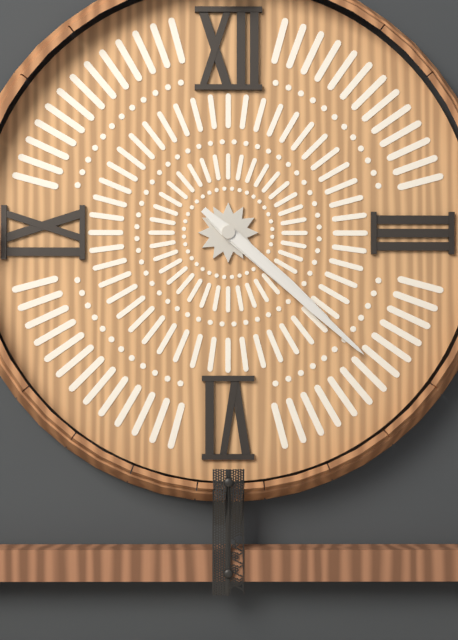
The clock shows 4 h 22 min
